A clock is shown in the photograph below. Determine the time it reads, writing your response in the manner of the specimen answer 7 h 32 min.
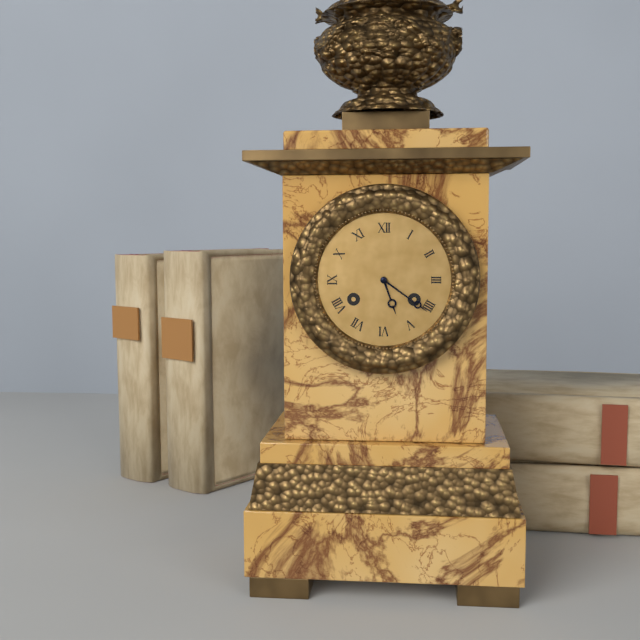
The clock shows 5 h 21 min
